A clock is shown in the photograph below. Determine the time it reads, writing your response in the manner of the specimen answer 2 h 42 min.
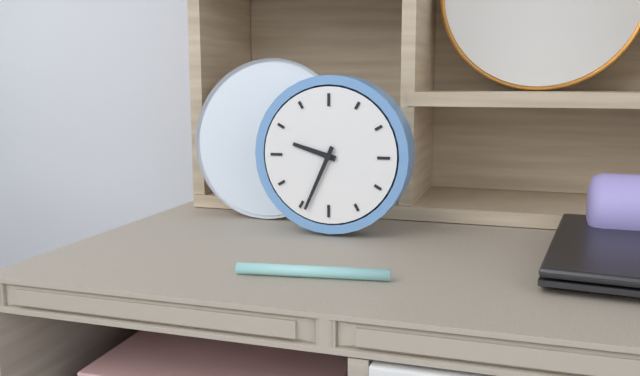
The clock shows 9 h 34 min
